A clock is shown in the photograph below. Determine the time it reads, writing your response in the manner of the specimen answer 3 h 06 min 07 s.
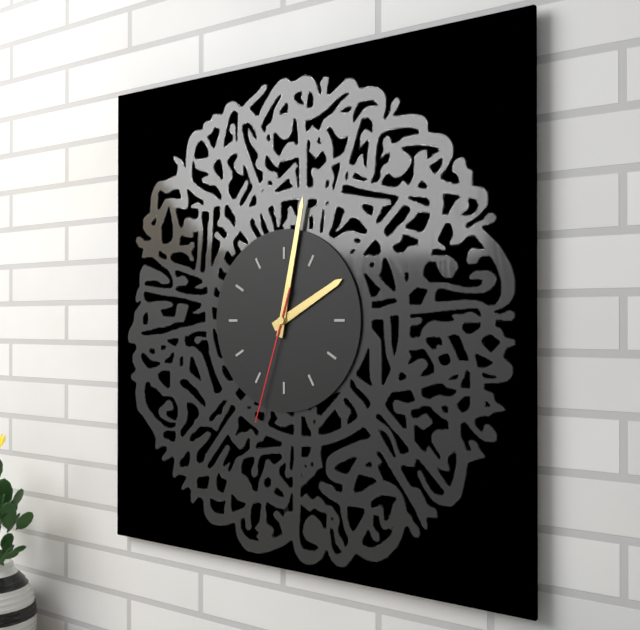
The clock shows 2 h 02 min 33 s
